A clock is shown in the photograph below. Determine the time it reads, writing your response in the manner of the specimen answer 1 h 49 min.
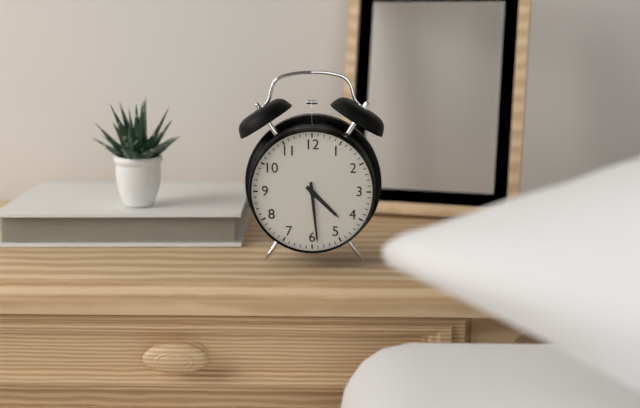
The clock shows 4 h 29 min
